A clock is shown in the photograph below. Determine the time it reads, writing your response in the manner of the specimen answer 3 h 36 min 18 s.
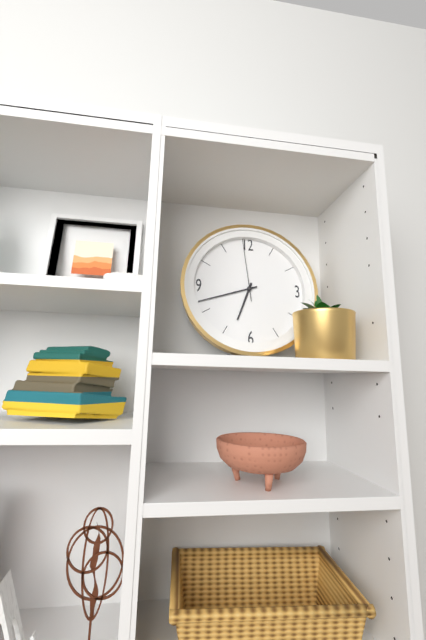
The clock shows 6 h 42 min 59 s
